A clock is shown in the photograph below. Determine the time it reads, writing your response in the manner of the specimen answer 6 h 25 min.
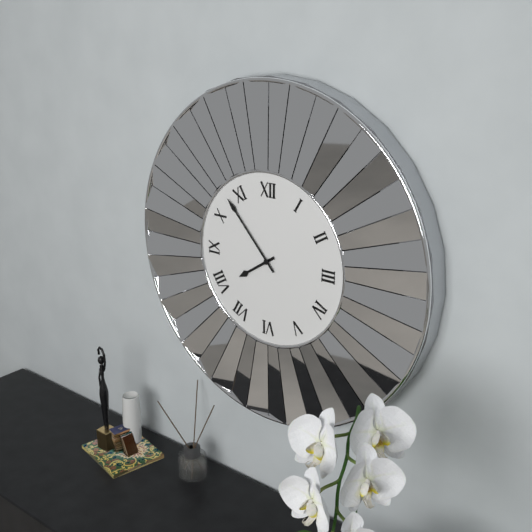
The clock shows 7 h 53 min
